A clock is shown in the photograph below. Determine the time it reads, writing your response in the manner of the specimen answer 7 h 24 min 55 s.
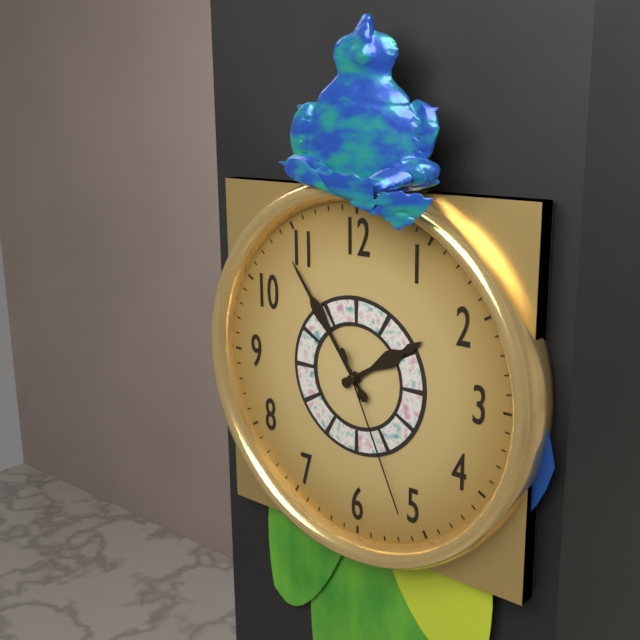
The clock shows 1 h 54 min 26 s
